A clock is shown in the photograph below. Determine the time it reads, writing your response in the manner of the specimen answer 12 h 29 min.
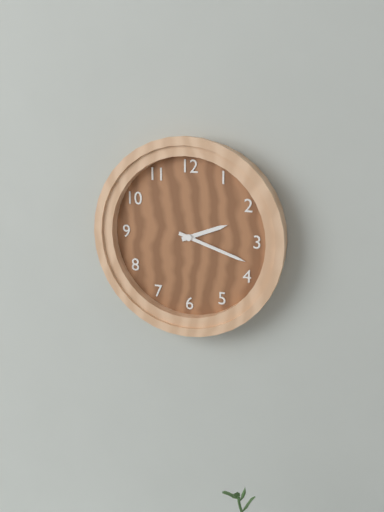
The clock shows 2 h 18 min
